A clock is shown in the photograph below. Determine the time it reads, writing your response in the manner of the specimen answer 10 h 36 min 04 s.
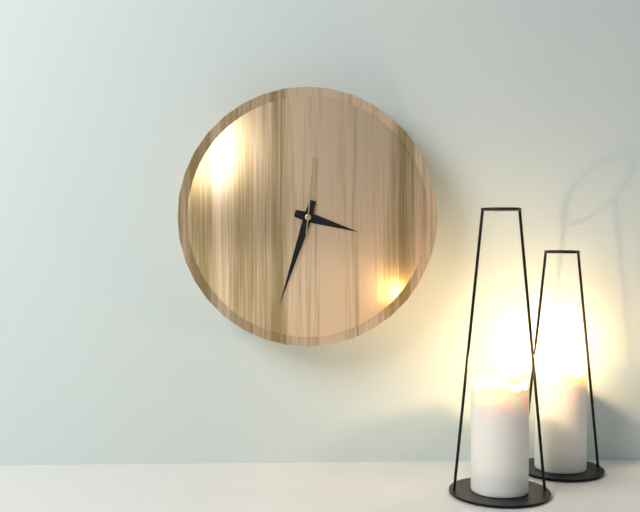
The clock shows 3 h 33 min 01 s
